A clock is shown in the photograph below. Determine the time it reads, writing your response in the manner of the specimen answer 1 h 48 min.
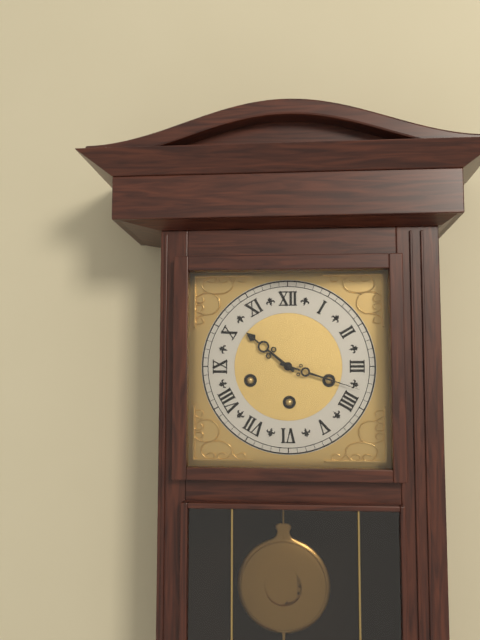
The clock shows 10 h 18 min
